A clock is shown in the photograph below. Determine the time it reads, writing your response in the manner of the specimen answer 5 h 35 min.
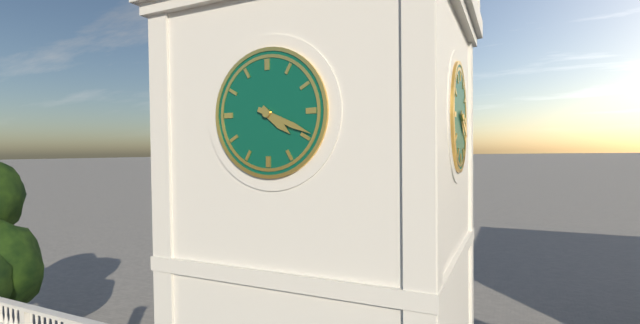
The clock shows 4 h 19 min
